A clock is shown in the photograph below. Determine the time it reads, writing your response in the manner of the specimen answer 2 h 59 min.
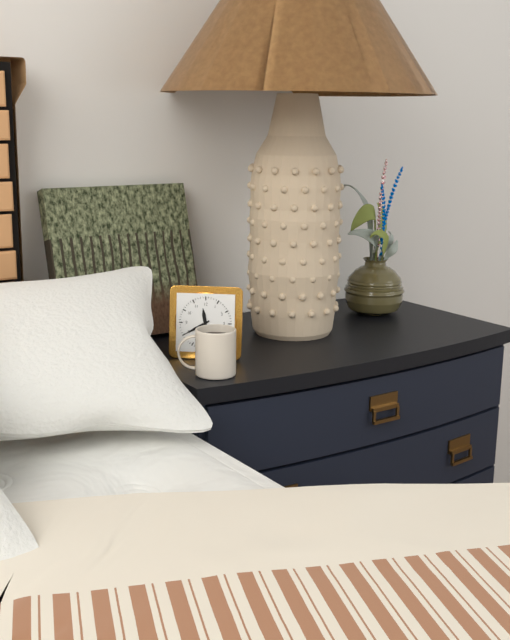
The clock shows 11 h 40 min
